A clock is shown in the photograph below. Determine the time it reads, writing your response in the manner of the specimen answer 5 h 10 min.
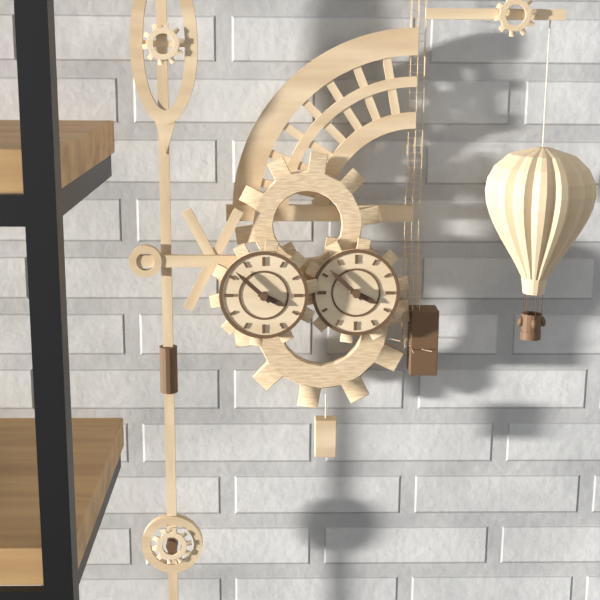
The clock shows 3 h 52 min
